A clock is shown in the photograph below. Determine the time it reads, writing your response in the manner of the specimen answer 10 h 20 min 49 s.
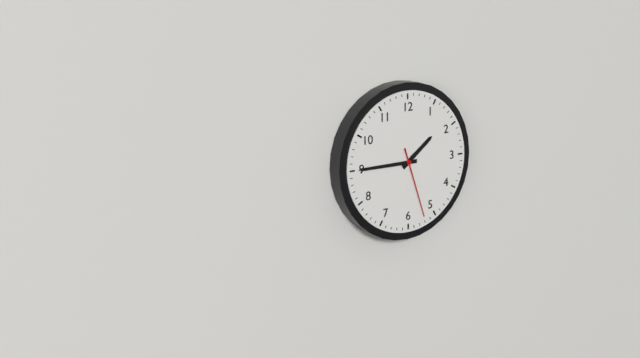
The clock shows 1 h 45 min 27 s
